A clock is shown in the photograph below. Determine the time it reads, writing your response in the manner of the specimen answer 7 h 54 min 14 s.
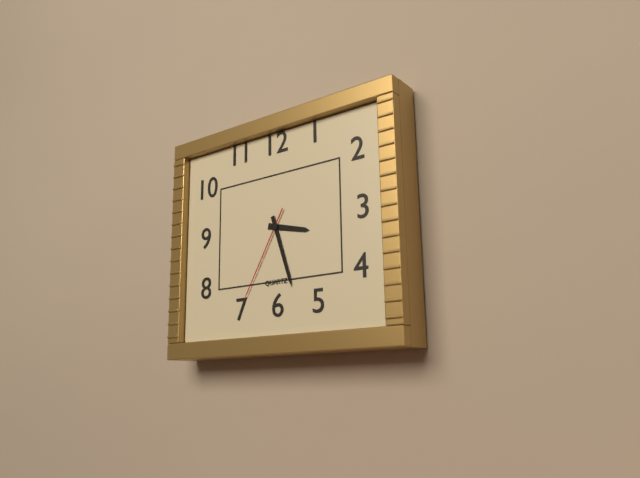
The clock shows 3 h 27 min 35 s
